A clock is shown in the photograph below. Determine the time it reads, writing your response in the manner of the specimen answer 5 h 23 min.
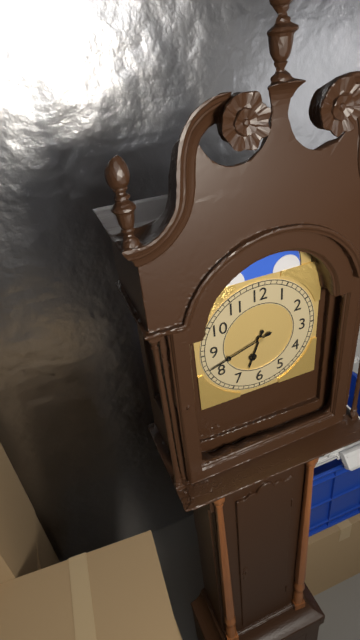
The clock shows 6 h 42 min
